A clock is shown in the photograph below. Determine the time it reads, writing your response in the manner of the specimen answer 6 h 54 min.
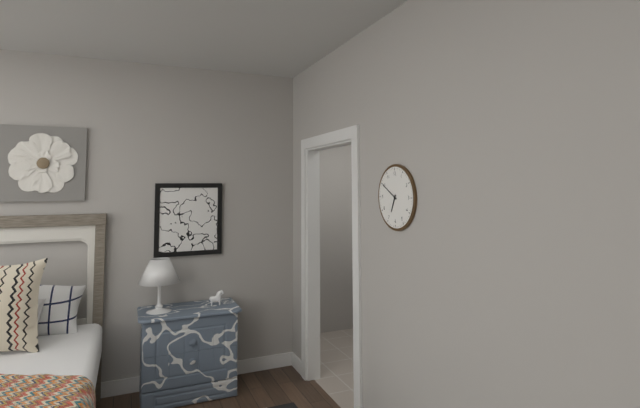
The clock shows 6 h 50 min
